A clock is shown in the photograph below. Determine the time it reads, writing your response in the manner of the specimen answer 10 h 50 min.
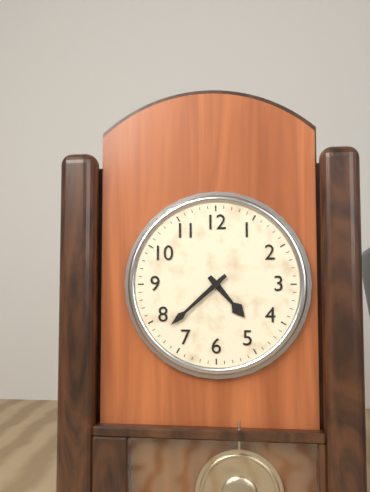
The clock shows 4 h 38 min
